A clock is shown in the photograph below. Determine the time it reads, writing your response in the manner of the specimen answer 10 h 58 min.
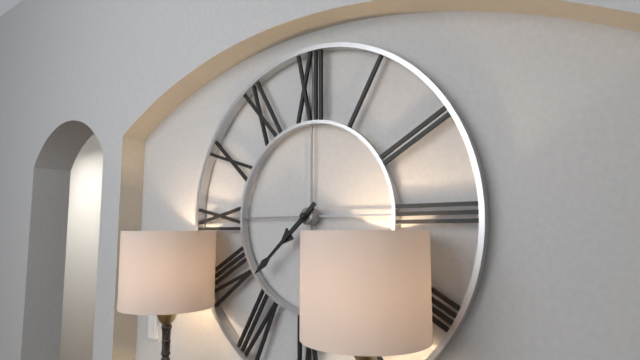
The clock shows 7 h 38 min
